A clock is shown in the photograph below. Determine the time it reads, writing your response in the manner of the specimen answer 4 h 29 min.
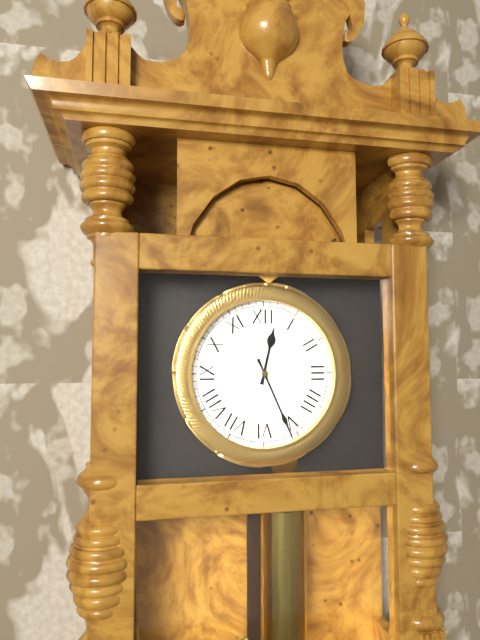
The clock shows 12 h 26 min
